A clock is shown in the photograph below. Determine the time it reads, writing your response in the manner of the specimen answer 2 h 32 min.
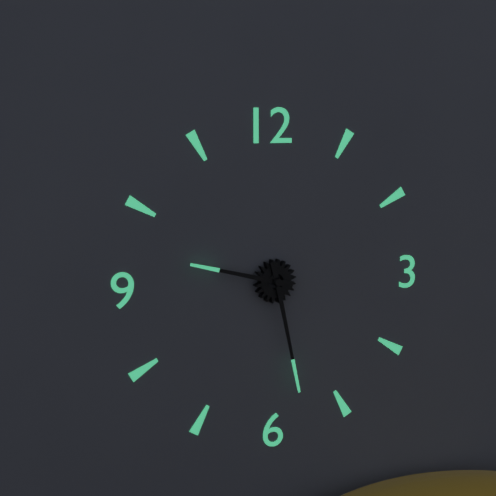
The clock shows 9 h 28 min
